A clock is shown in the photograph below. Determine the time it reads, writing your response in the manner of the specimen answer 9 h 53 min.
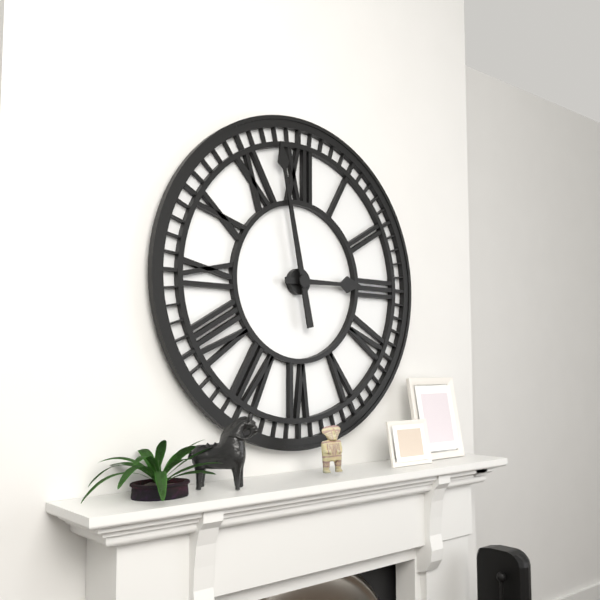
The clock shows 2 h 58 min
